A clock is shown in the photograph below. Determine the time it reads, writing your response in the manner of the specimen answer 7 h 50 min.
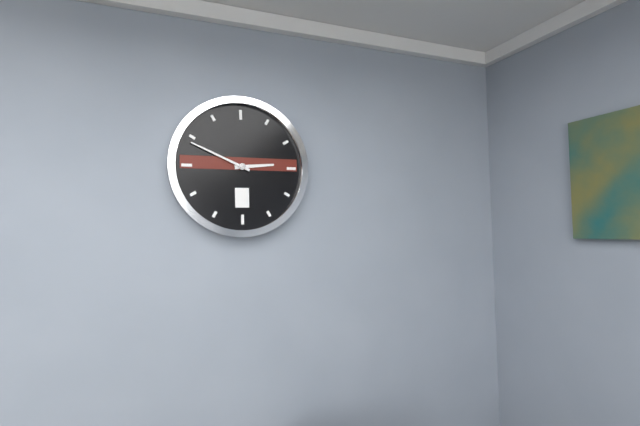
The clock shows 2 h 49 min
